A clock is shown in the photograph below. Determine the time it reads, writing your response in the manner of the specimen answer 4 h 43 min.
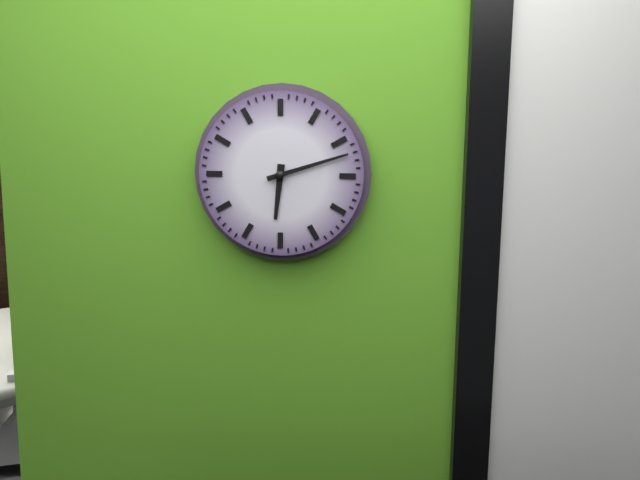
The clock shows 6 h 12 min
